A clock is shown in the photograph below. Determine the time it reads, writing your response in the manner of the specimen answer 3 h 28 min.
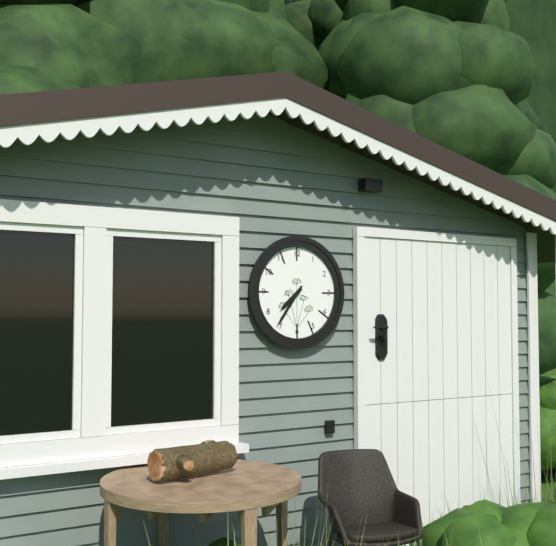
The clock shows 7 h 36 min
